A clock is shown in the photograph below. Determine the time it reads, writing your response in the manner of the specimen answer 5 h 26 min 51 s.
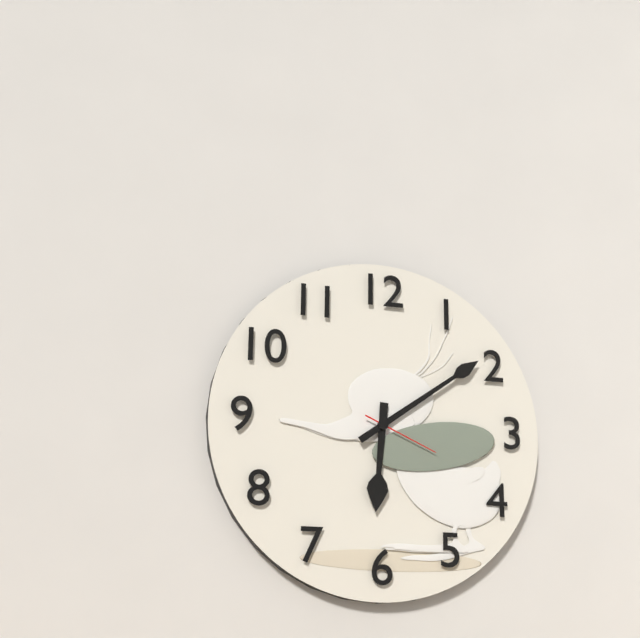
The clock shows 6 h 09 min 19 s
